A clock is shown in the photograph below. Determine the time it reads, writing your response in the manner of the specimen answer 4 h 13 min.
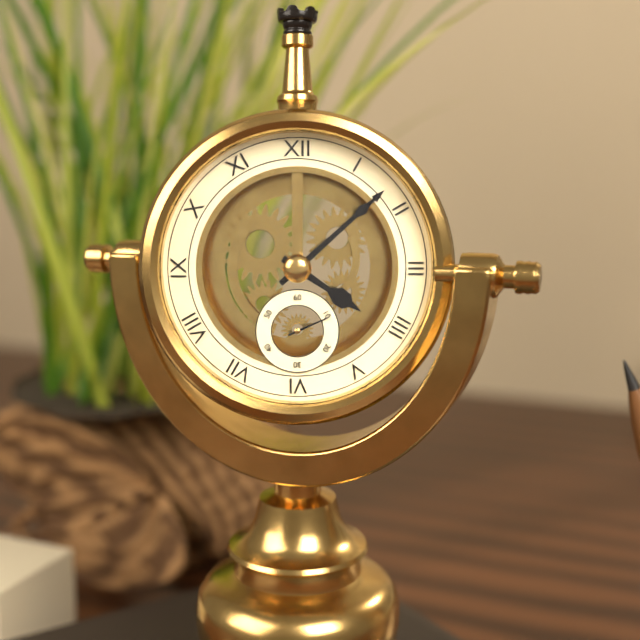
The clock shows 4 h 08 min
